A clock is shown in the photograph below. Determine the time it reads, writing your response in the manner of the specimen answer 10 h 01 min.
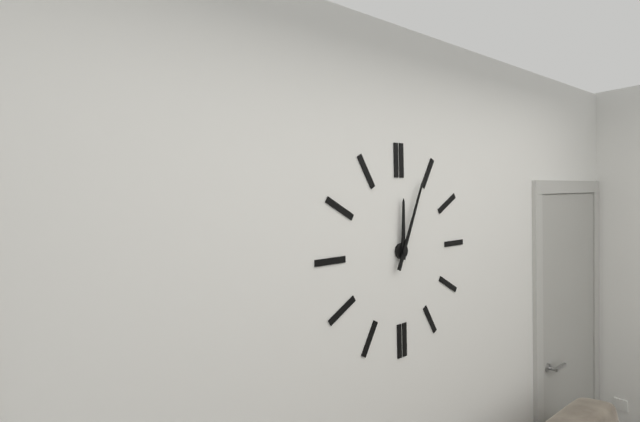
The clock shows 12 h 04 min
